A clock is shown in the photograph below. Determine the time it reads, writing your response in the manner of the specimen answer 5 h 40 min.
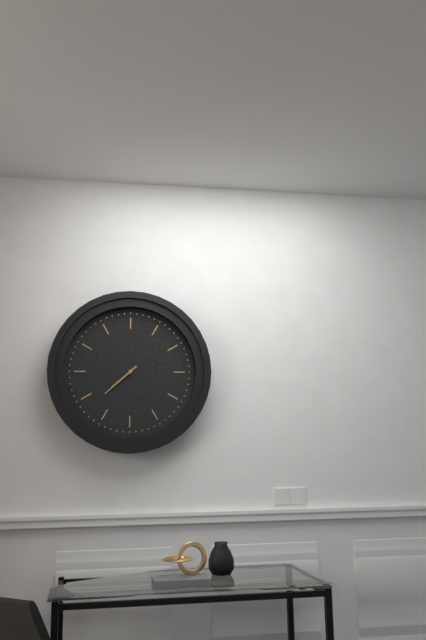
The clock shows 7 h 38 min
